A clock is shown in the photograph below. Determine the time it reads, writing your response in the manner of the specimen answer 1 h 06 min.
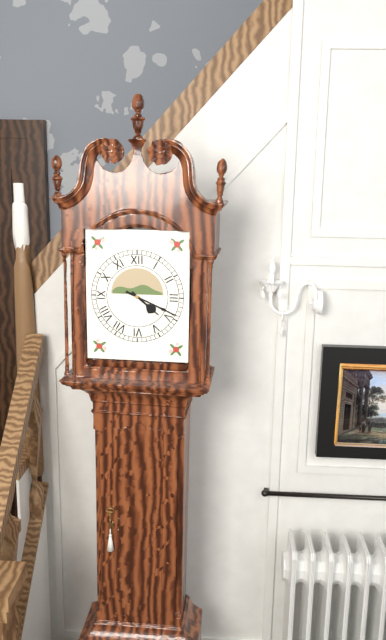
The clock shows 4 h 19 min
